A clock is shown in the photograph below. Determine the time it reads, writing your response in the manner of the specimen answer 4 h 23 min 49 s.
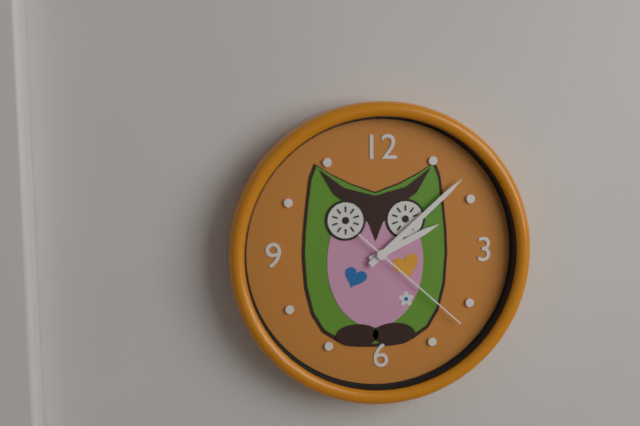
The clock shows 2 h 08 min 22 s
